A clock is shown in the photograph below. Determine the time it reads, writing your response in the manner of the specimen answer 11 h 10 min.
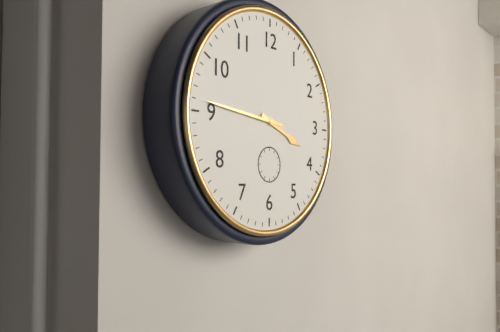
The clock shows 3 h 46 min
